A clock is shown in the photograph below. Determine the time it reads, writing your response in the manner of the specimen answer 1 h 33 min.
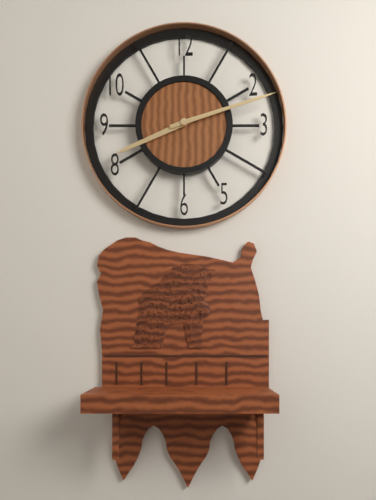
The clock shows 8 h 12 min
